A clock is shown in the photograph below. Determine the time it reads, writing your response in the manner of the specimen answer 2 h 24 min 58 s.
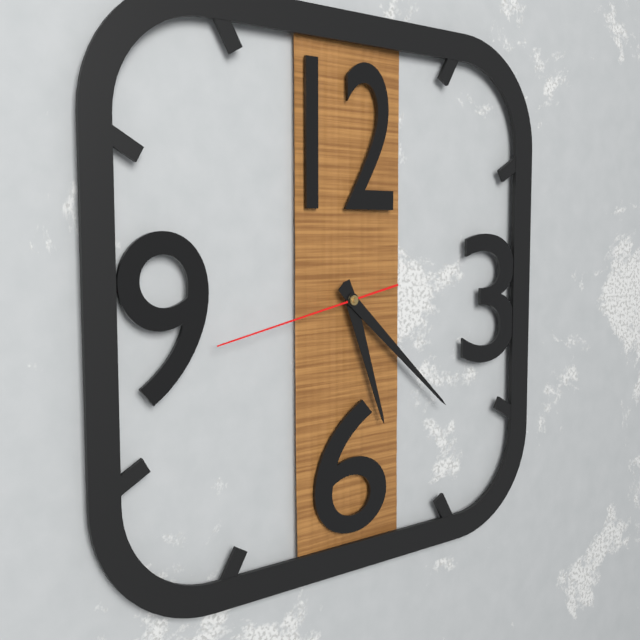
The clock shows 5 h 22 min 43 s
